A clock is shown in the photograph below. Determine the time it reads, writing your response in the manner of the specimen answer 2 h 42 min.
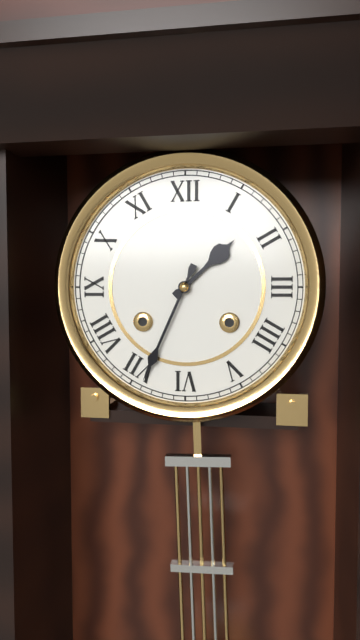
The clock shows 1 h 34 min
